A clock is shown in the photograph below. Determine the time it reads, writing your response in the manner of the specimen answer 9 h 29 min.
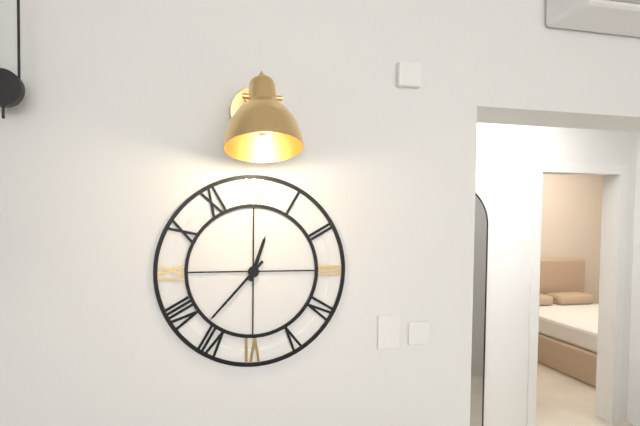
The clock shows 12 h 37 min
